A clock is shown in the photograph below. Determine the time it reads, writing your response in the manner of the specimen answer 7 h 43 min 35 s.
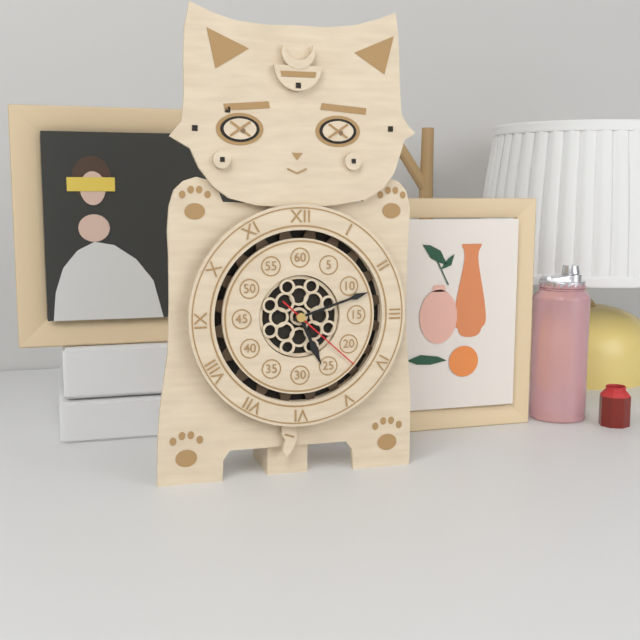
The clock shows 5 h 12 min 22 s
